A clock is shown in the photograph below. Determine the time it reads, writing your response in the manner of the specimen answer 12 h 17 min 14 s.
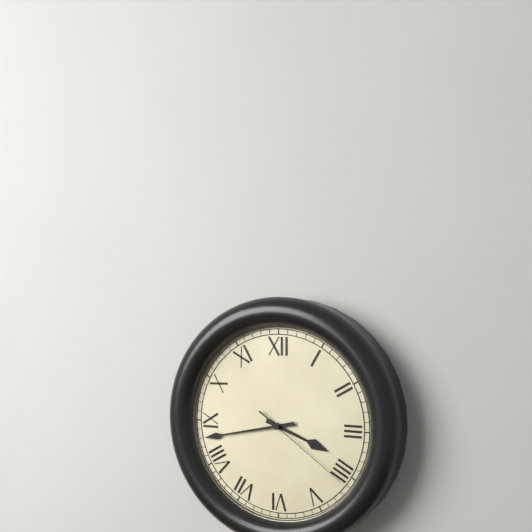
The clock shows 3 h 43 min 21 s
